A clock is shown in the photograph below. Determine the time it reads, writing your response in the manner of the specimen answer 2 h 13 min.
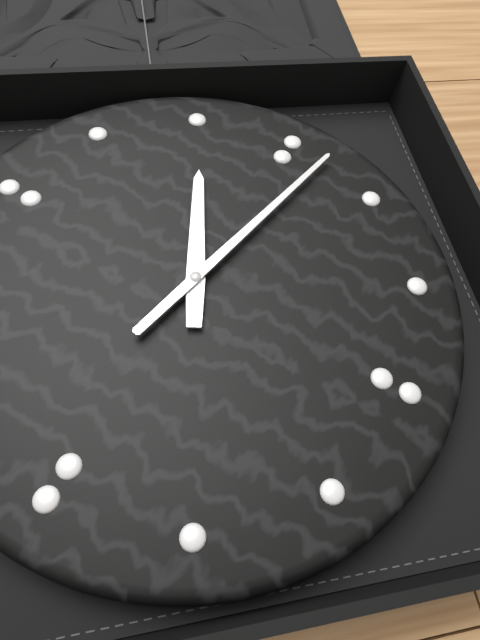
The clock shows 11 h 02 min
